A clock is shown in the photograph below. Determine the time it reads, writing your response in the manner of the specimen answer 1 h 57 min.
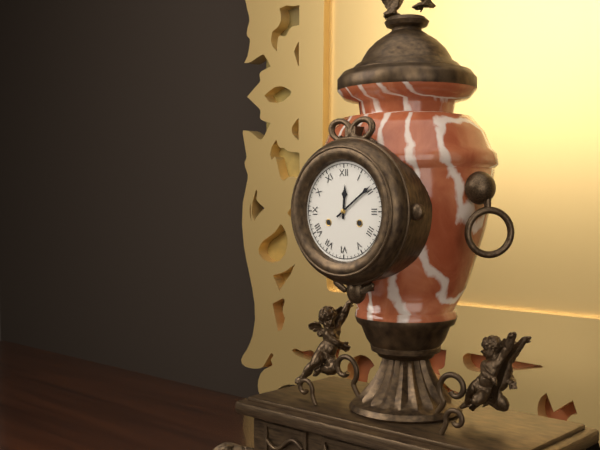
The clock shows 12 h 09 min
